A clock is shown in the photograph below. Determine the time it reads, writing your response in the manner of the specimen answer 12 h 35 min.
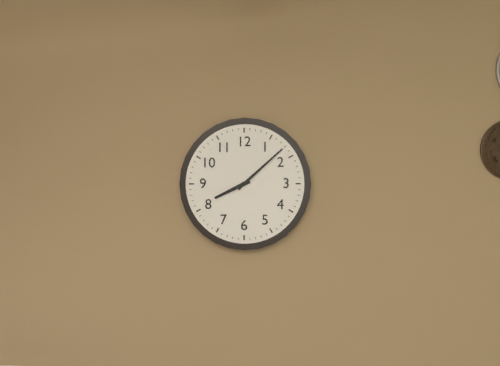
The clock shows 8 h 08 min
